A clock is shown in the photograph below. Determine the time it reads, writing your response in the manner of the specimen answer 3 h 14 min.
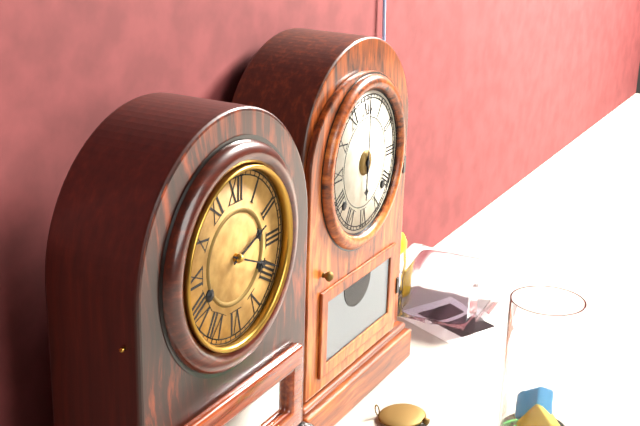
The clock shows 2 h 19 min
